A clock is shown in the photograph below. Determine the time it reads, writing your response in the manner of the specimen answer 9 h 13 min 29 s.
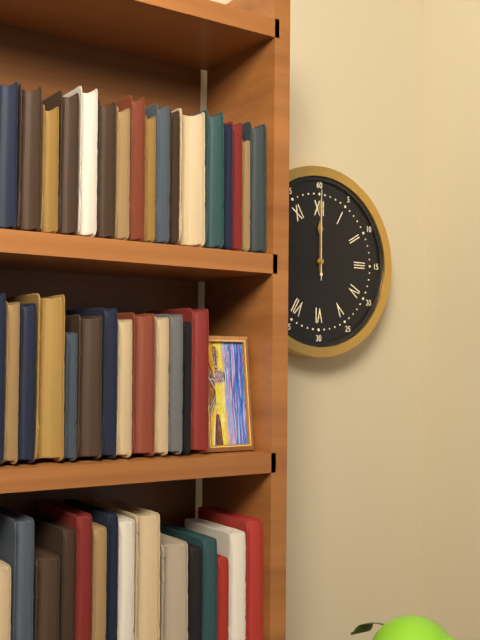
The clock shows 12 h 00 min 00 s
